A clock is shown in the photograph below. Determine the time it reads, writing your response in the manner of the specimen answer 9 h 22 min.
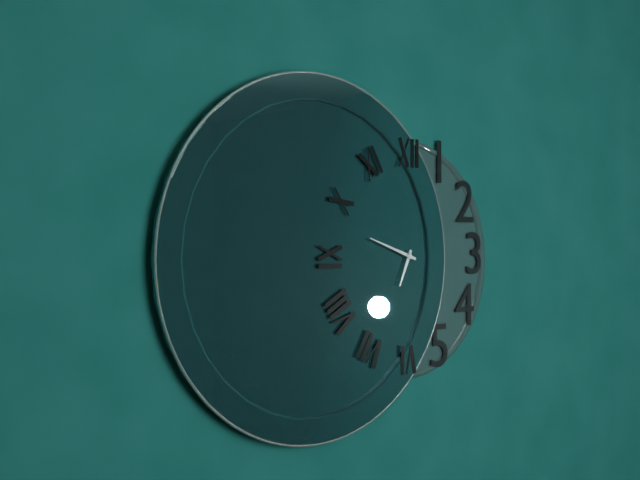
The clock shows 6 h 48 min
